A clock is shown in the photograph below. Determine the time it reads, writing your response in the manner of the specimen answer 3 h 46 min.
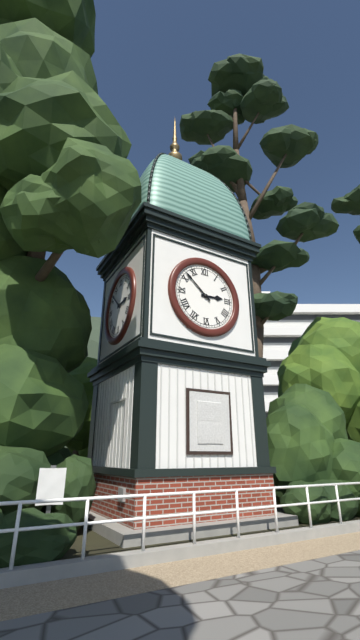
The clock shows 2 h 52 min
